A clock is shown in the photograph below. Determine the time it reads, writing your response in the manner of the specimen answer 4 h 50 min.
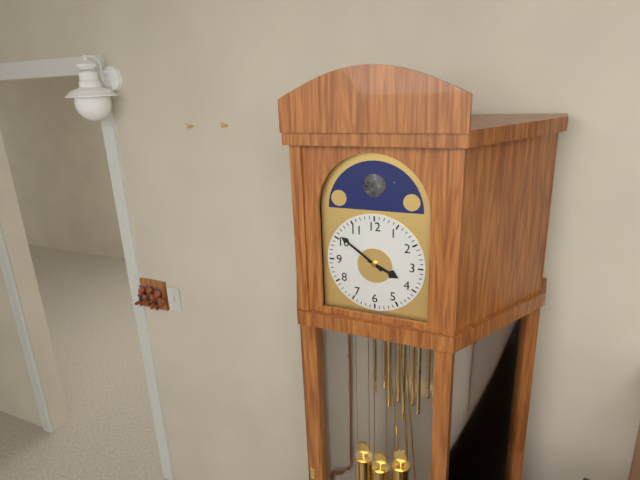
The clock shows 3 h 51 min
